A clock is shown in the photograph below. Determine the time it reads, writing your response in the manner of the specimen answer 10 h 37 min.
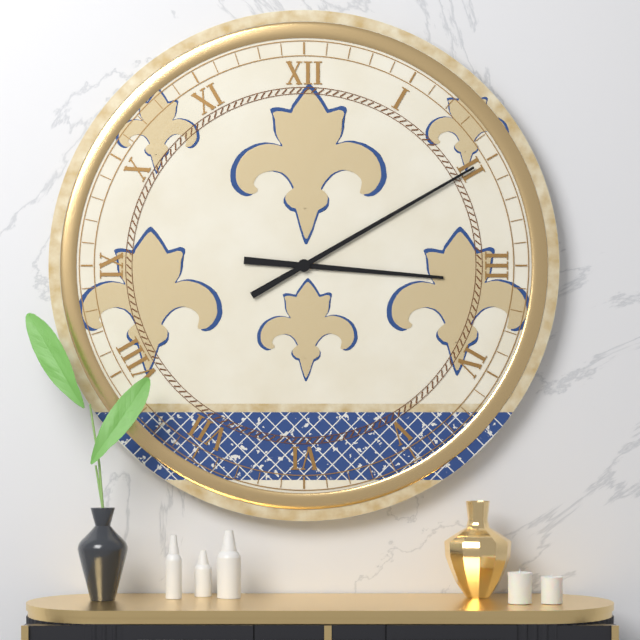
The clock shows 3 h 10 min
